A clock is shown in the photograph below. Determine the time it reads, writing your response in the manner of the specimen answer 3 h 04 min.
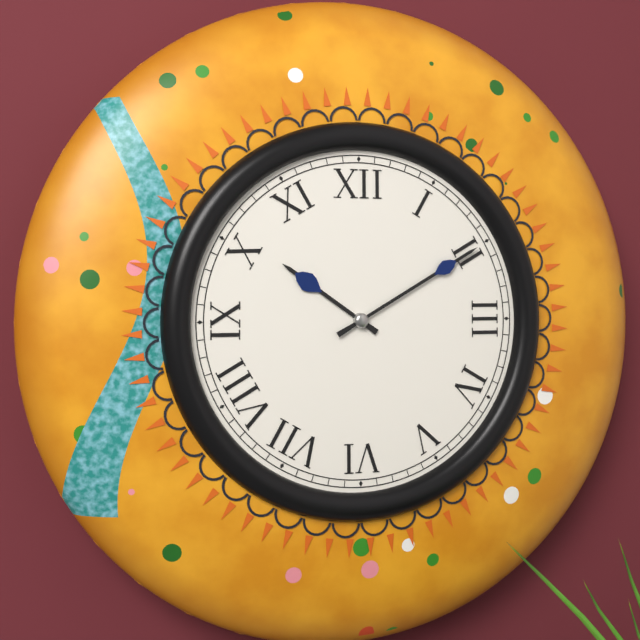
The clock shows 10 h 10 min
